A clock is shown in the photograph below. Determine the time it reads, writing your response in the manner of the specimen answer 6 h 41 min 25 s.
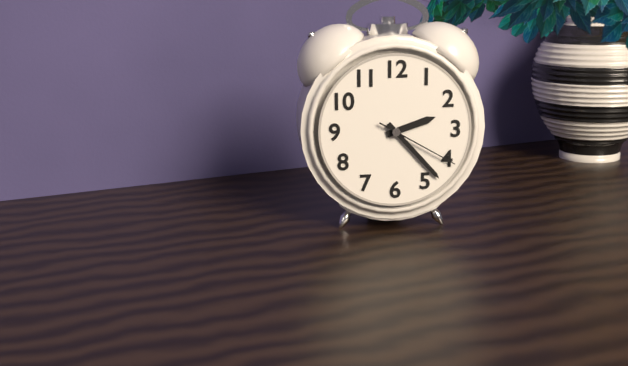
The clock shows 2 h 23 min 20 s
